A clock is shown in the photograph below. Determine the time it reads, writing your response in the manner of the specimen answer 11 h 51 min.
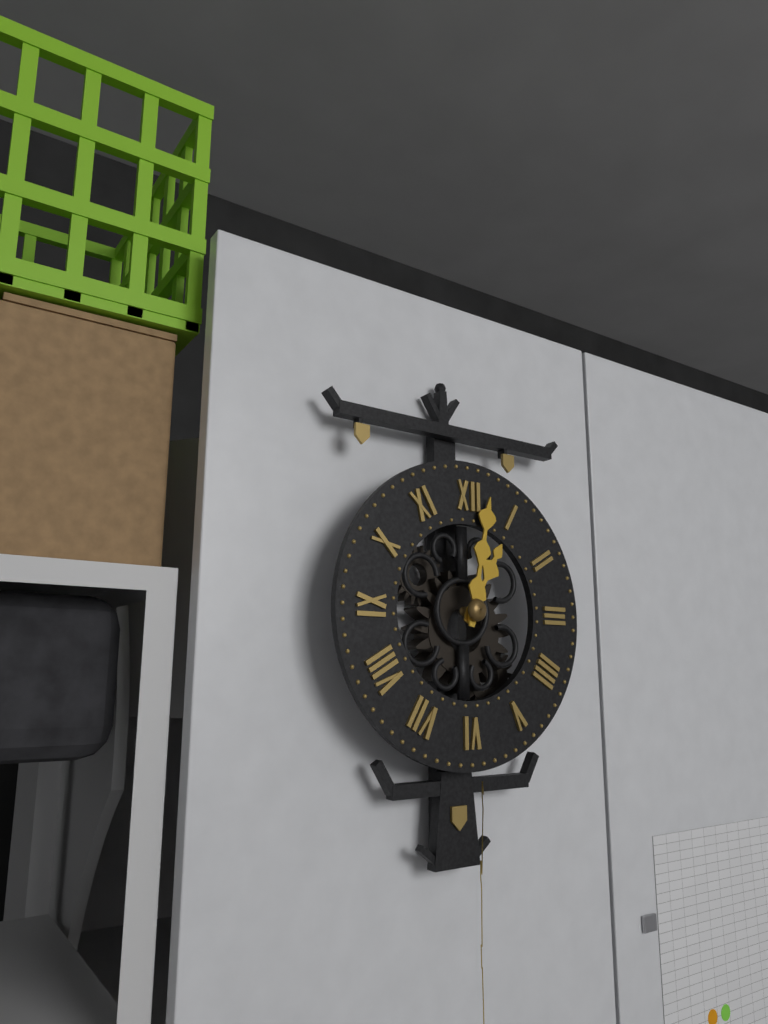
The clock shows 1 h 02 min
